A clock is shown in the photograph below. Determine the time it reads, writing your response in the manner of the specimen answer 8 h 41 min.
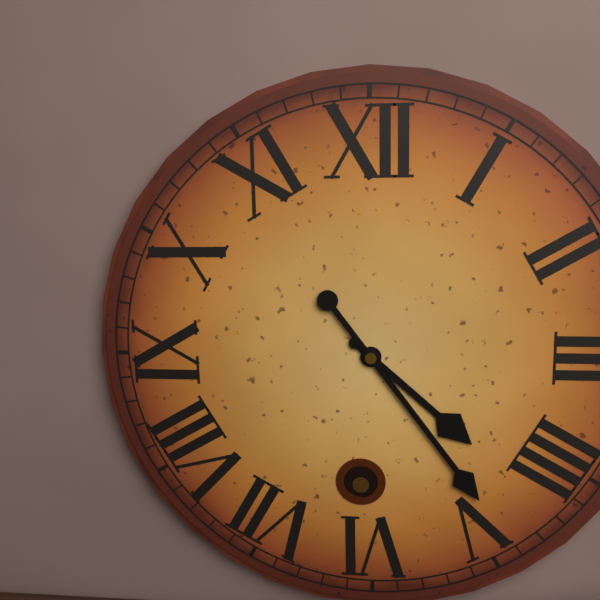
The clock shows 4 h 24 min
